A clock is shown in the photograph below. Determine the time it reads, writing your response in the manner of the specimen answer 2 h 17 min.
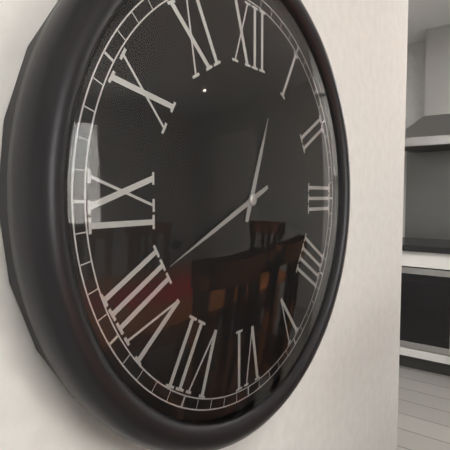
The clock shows 12 h 41 min
